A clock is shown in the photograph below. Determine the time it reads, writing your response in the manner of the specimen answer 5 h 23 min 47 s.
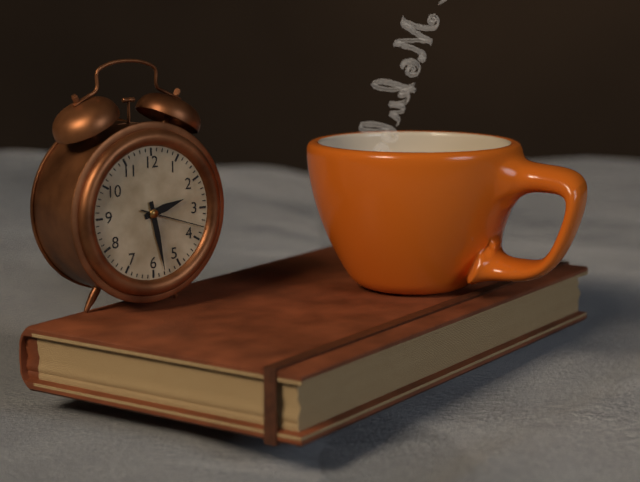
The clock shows 2 h 28 min 18 s
